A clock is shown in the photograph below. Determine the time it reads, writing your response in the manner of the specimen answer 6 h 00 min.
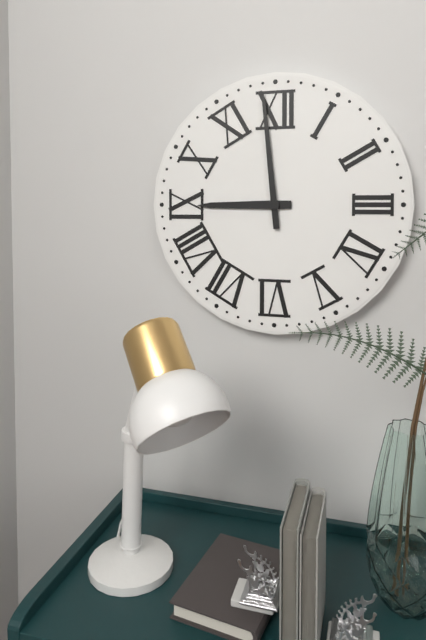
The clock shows 8 h 59 min
